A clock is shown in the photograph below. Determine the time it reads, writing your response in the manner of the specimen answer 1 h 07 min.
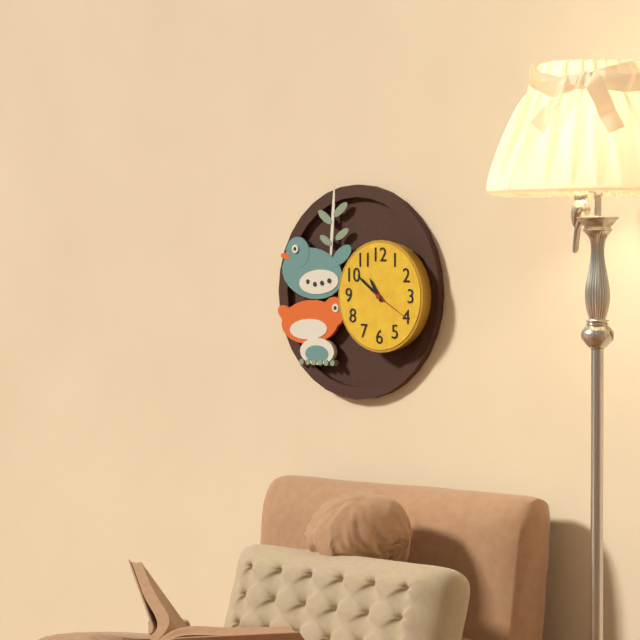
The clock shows 10 h 51 min
